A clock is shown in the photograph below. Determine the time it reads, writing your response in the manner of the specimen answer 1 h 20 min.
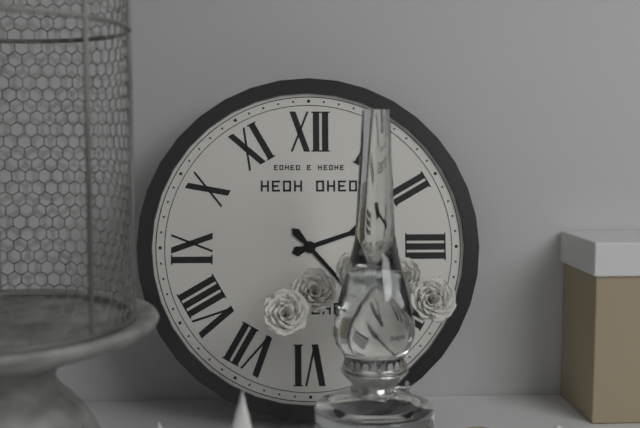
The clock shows 2 h 23 min
